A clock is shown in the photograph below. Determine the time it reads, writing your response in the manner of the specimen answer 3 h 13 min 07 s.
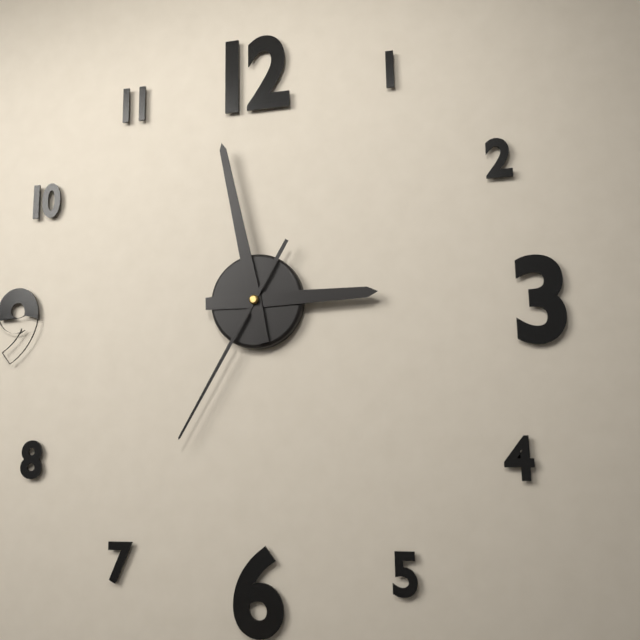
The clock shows 2 h 58 min 35 s
